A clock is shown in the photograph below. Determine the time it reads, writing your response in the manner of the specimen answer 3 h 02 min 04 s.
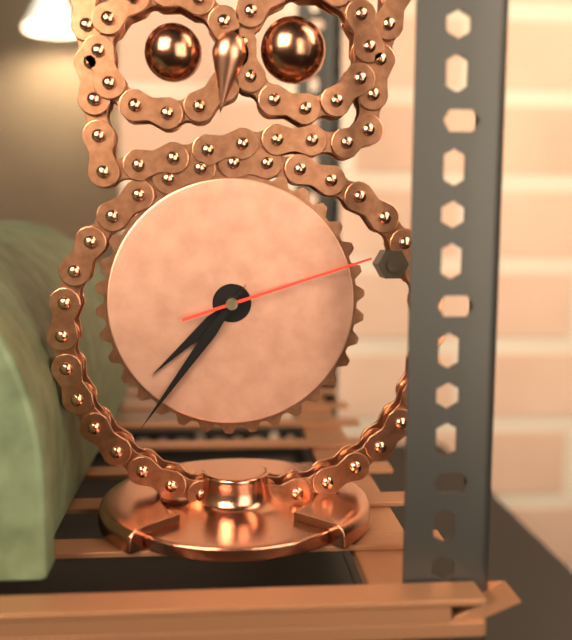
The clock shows 7 h 36 min 12 s
